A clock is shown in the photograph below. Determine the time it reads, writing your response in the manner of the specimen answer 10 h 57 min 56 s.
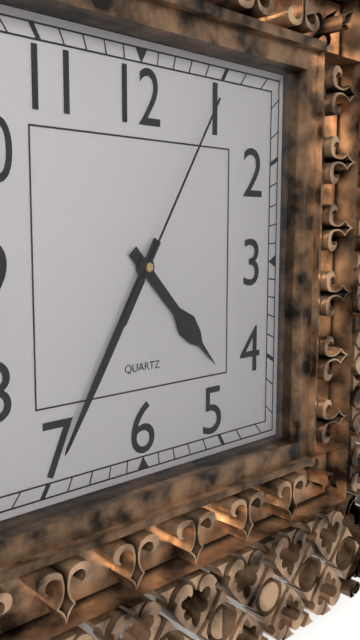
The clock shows 4 h 35 min 05 s
